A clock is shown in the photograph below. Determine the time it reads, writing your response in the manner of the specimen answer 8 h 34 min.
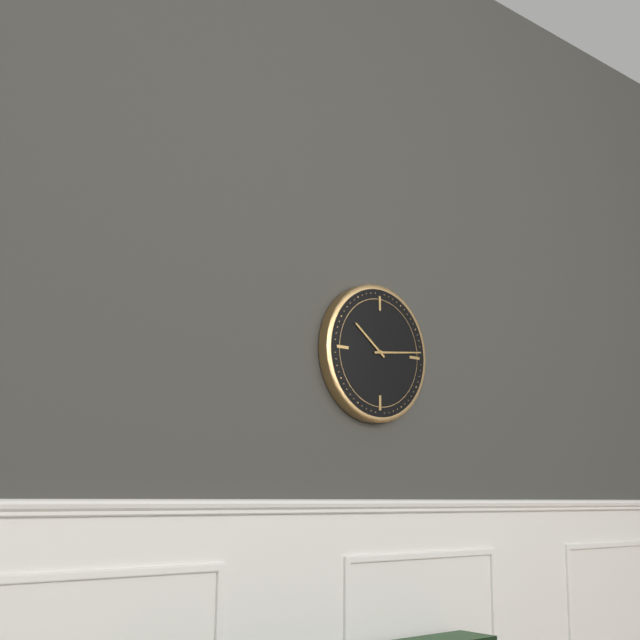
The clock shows 10 h 14 min
